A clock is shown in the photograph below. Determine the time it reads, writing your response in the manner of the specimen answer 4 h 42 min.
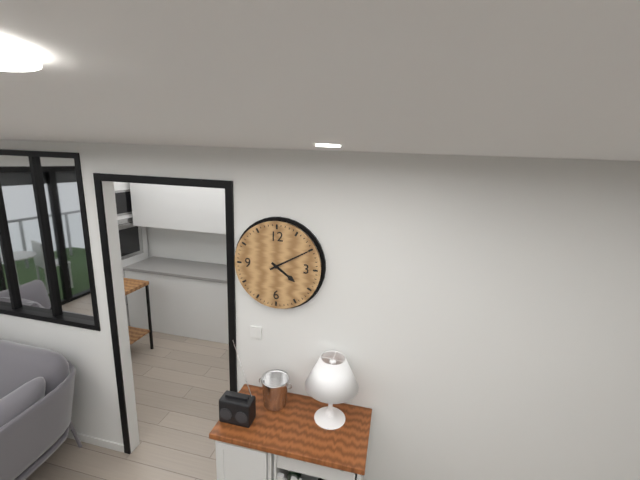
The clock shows 4 h 10 min
